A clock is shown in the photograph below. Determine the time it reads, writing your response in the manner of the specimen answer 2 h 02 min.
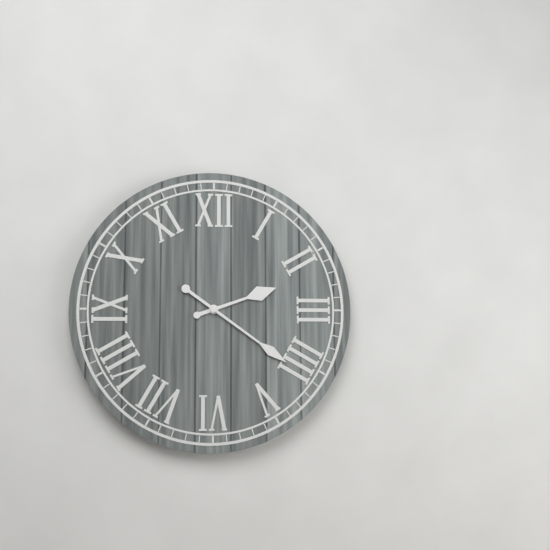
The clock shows 2 h 21 min
